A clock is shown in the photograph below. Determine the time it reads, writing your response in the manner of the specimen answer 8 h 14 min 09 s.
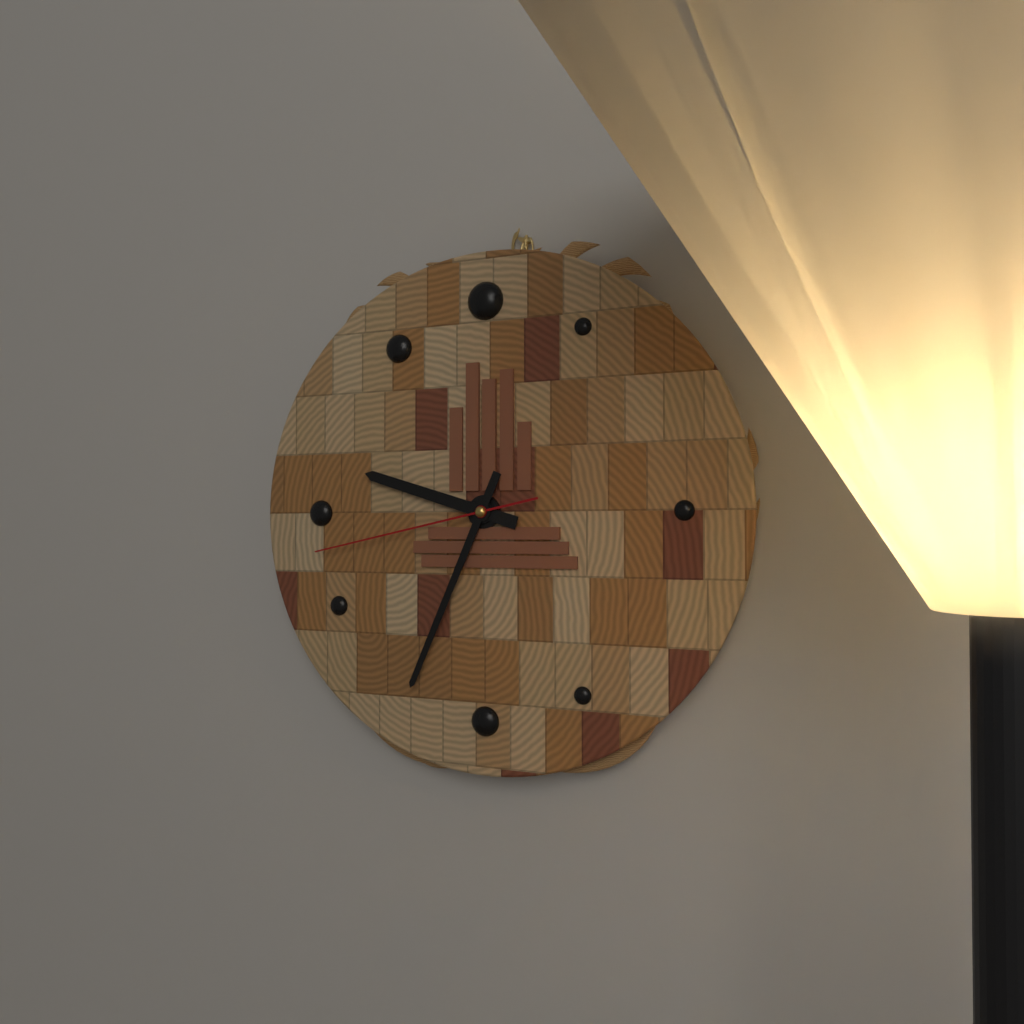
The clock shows 9 h 34 min 43 s
